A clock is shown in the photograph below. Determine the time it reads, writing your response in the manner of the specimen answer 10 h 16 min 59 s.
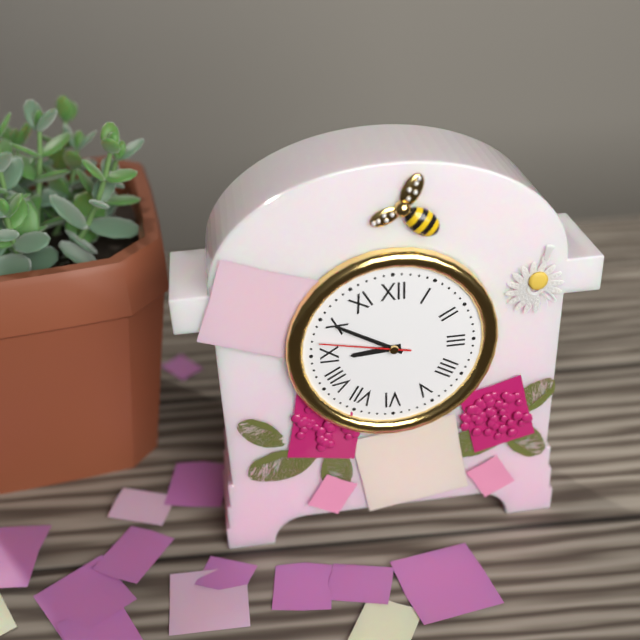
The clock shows 8 h 50 min 47 s
